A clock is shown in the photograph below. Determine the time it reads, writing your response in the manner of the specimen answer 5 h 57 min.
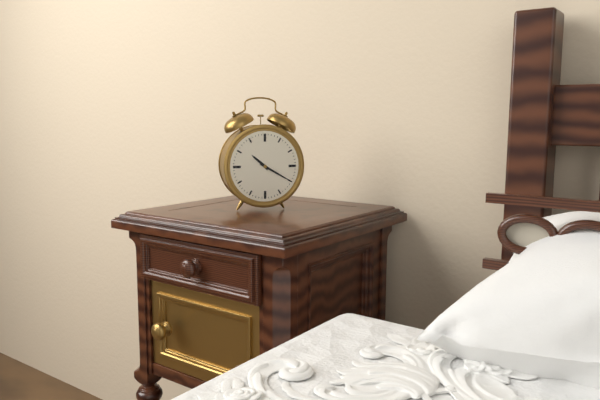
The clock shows 10 h 20 min
